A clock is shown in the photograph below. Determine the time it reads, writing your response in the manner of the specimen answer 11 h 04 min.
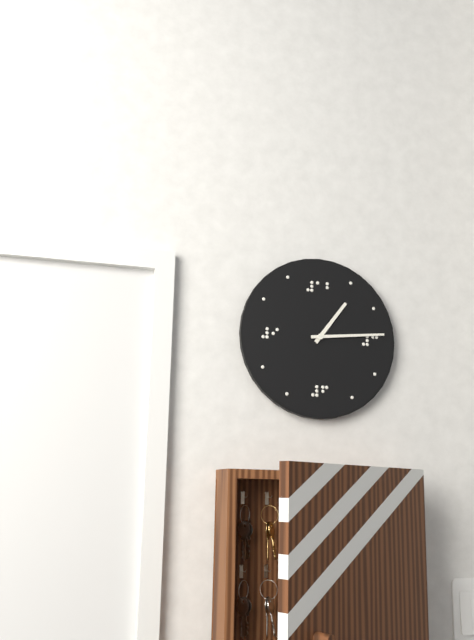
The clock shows 1 h 14 min
